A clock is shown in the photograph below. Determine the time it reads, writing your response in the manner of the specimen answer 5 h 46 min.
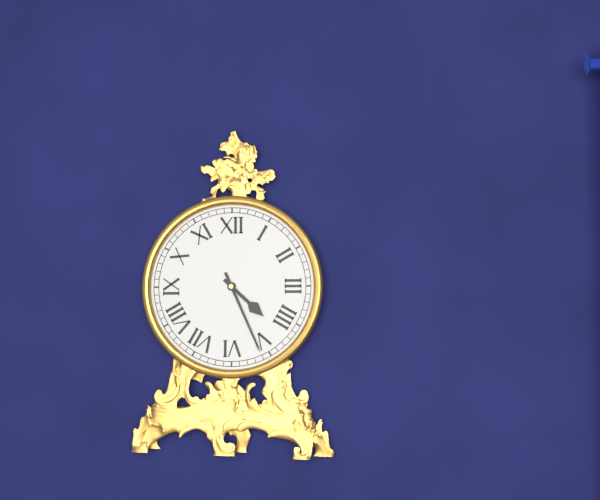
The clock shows 4 h 26 min
